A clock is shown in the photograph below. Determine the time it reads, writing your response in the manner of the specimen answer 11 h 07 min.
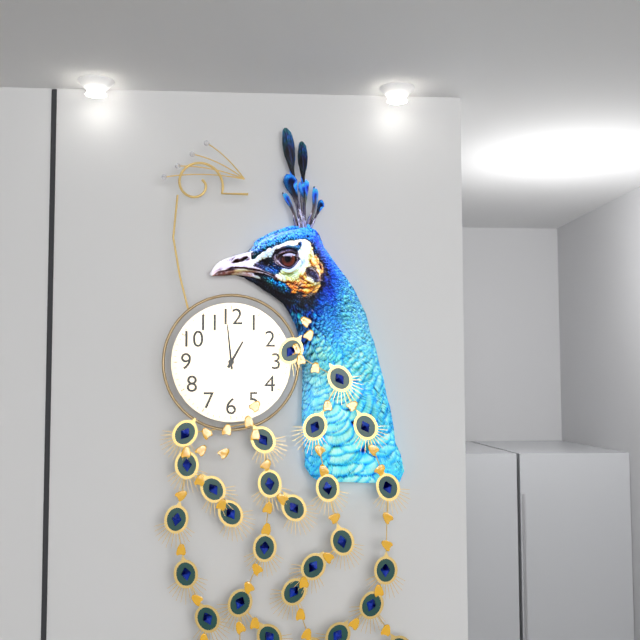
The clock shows 12 h 59 min
